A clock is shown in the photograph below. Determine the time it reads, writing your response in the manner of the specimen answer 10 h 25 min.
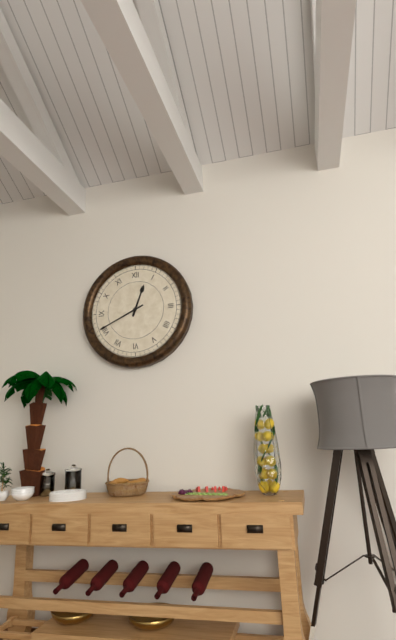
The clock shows 12 h 41 min
